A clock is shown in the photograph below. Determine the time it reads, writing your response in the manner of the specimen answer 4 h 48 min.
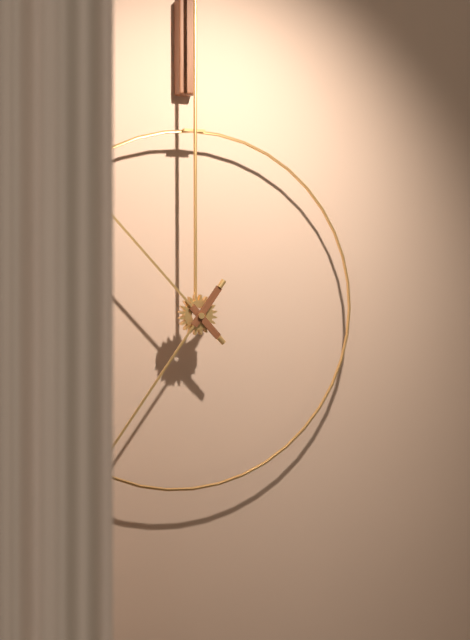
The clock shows 10 h 36 min
